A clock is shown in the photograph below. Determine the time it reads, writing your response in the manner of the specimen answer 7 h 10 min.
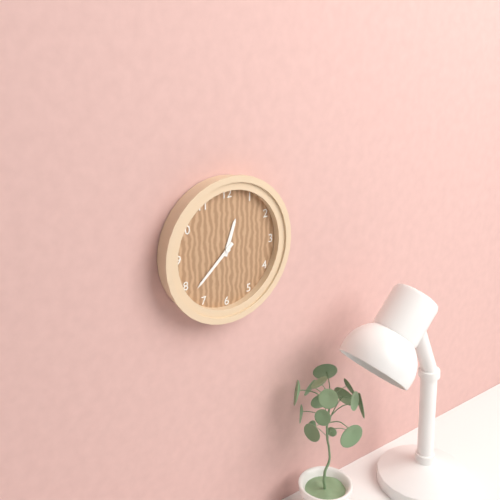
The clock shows 12 h 38 min
